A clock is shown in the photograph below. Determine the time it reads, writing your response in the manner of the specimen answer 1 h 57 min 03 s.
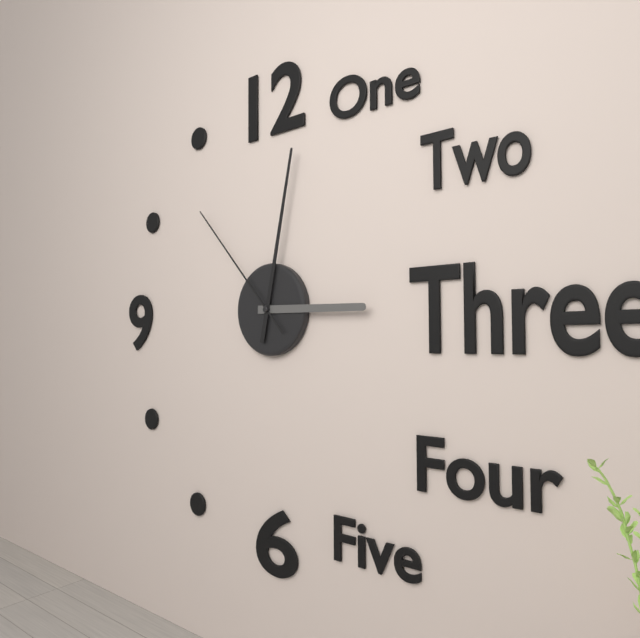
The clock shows 3 h 02 min 53 s
